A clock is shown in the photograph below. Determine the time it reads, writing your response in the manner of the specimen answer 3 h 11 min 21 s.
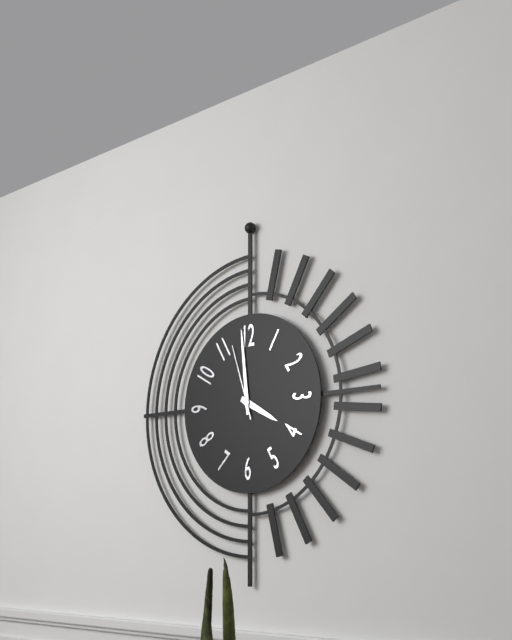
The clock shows 3 h 59 min 57 s
